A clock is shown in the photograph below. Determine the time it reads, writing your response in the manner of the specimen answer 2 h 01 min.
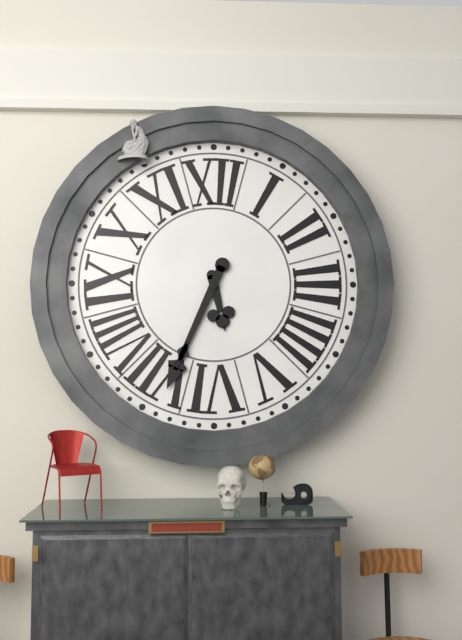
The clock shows 5 h 34 min
